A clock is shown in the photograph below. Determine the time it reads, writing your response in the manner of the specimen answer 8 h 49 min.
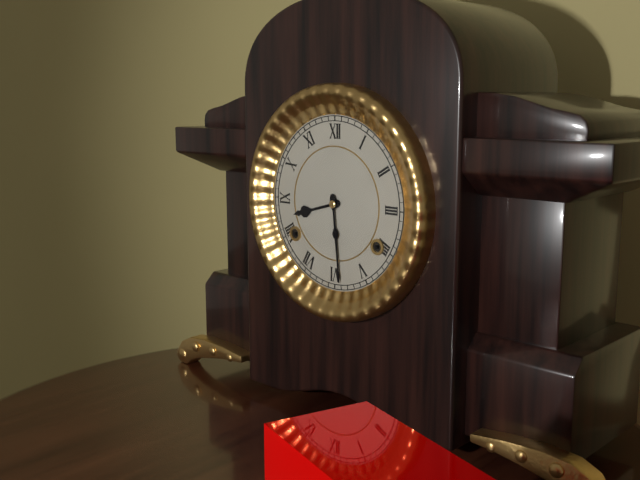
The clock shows 8 h 29 min
